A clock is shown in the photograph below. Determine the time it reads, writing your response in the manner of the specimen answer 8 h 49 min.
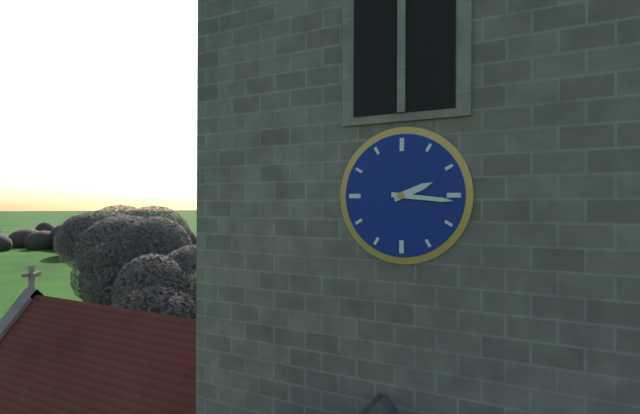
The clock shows 2 h 16 min
